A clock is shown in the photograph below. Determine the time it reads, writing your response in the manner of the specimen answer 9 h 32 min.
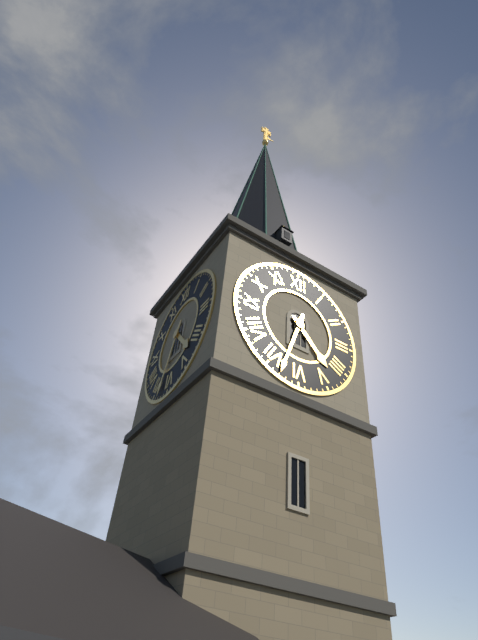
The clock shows 4 h 33 min
